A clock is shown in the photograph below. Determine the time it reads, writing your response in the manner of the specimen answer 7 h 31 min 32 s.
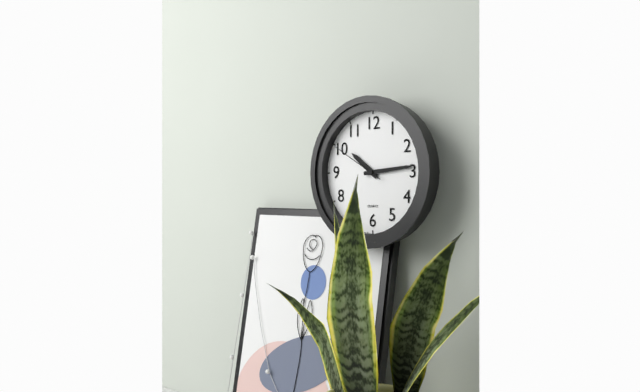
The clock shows 10 h 14 min 50 s
